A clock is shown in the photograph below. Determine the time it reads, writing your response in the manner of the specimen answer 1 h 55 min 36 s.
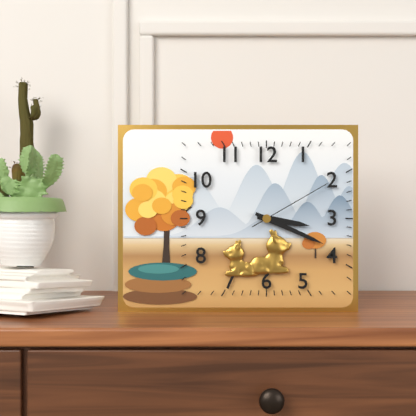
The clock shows 3 h 19 min 10 s
